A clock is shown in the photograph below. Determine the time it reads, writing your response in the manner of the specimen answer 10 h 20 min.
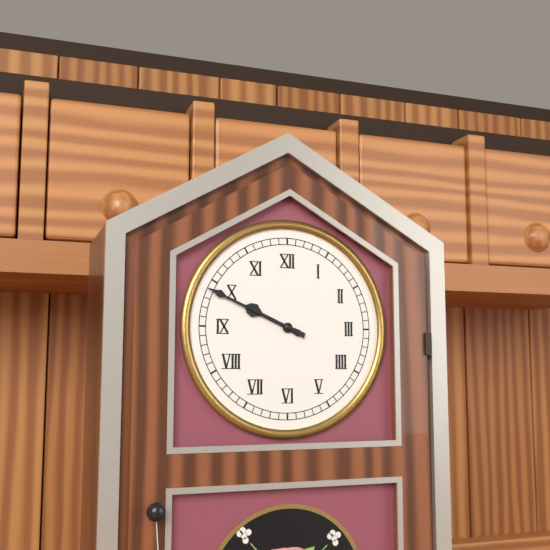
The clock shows 9 h 49 min
